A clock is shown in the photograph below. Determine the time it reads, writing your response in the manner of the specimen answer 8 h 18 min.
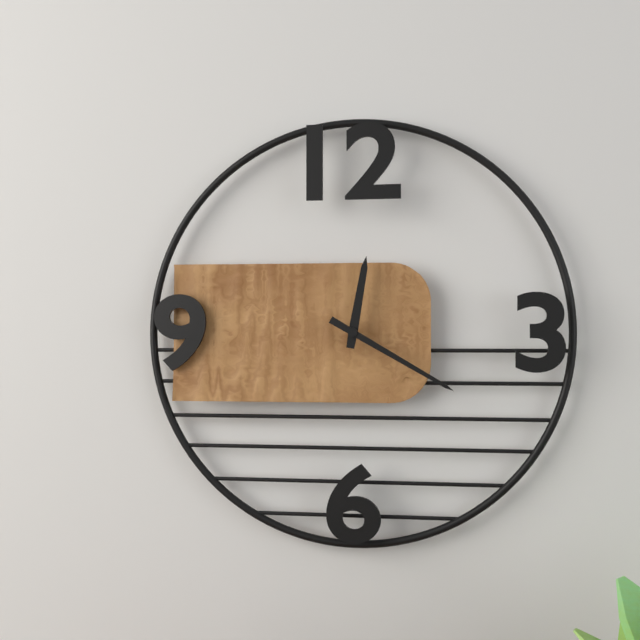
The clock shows 12 h 20 min
